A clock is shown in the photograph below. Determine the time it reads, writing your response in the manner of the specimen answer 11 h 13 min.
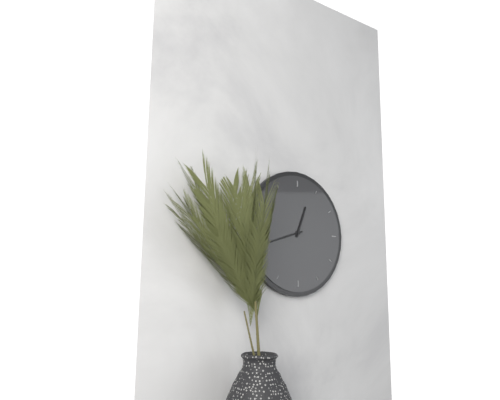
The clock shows 12 h 42 min
